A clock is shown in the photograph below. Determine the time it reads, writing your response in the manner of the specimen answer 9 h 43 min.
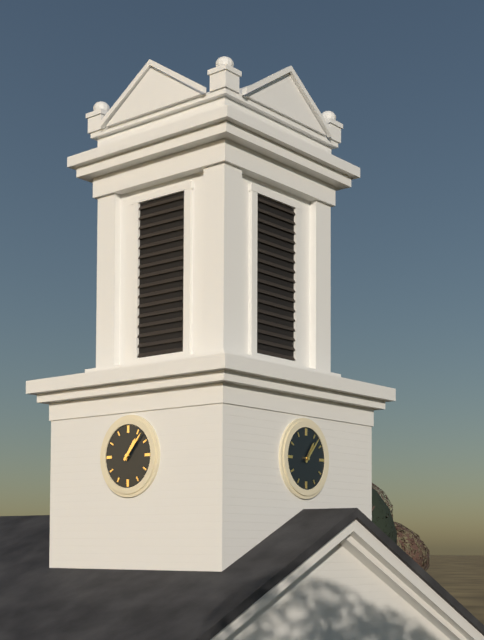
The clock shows 1 h 07 min
